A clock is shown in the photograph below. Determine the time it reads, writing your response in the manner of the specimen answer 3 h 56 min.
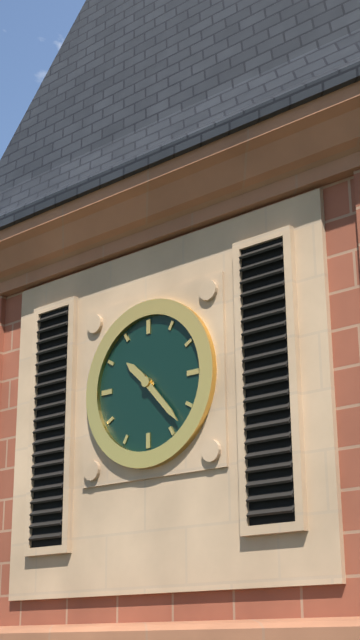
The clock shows 10 h 23 min
